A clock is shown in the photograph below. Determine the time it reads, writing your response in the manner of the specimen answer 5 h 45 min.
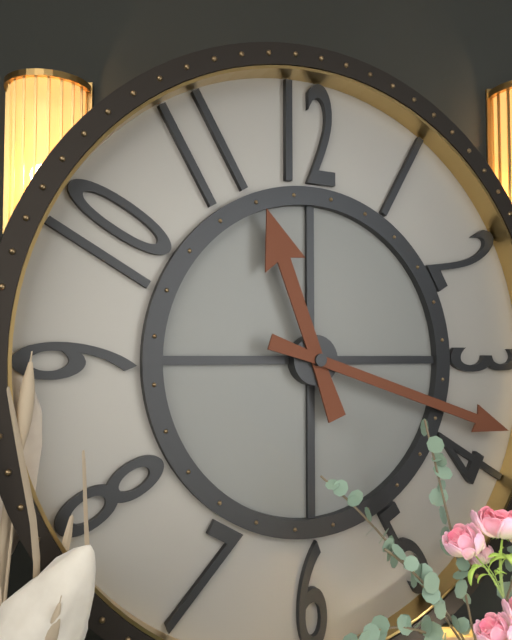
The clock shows 11 h 18 min
